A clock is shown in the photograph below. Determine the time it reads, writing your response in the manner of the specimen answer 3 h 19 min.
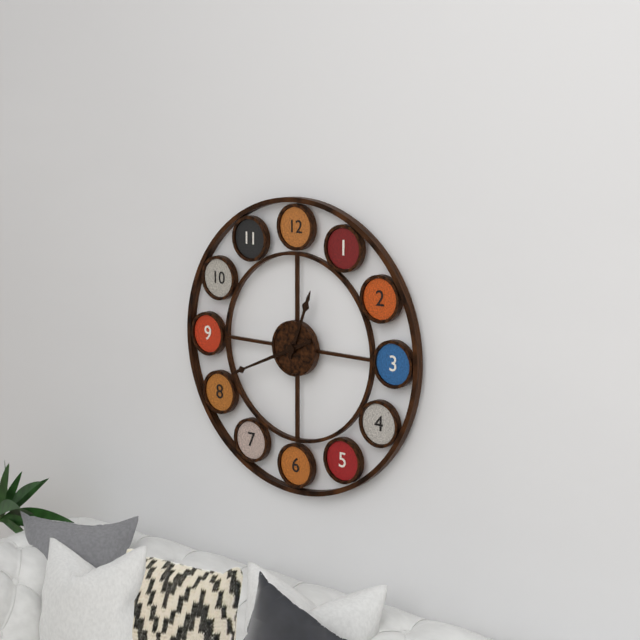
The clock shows 12 h 41 min
